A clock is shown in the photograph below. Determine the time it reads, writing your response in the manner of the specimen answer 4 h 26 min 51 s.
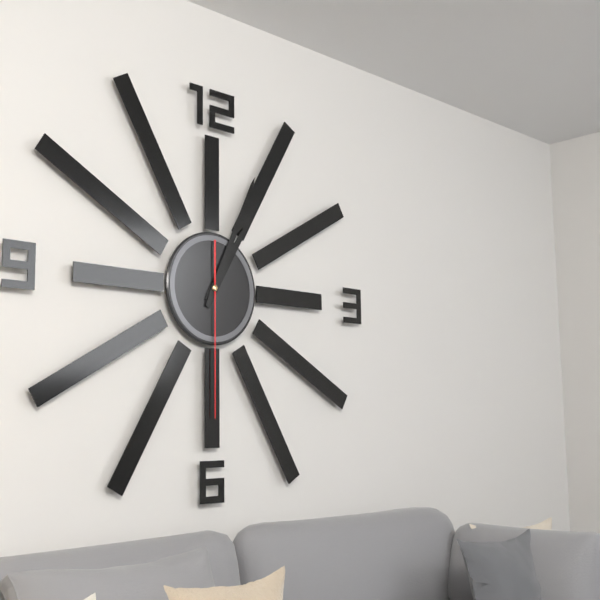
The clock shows 1 h 04 min 30 s
